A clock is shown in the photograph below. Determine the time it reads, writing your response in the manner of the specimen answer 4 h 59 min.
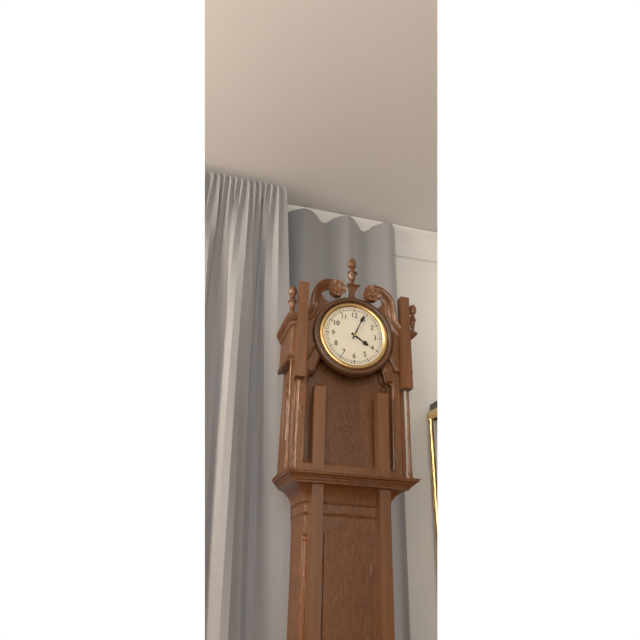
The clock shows 4 h 04 min
